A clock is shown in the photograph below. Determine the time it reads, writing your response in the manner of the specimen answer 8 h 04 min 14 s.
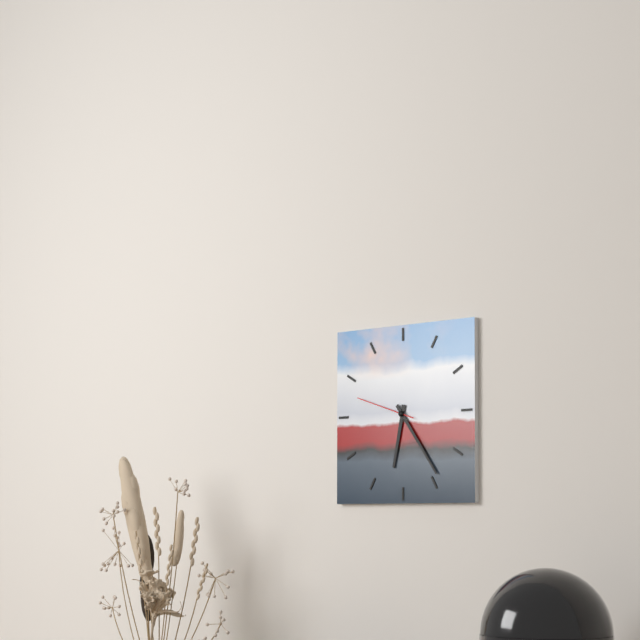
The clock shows 6 h 24 min 48 s
